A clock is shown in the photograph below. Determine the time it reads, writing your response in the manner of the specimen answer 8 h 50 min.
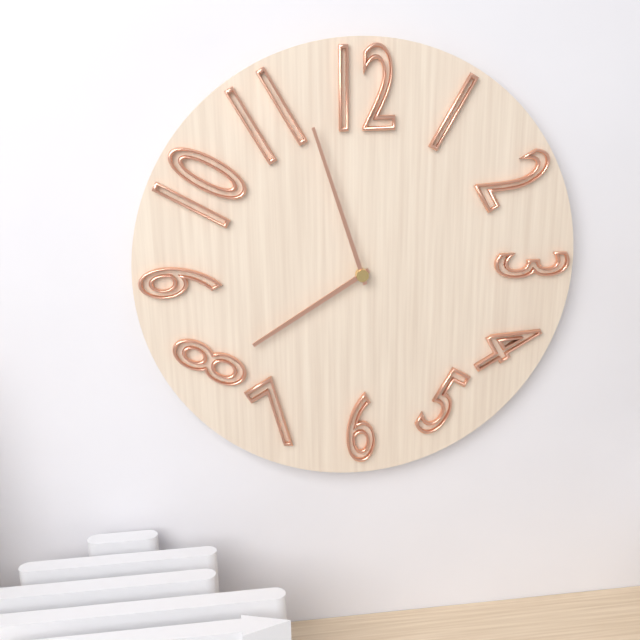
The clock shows 7 h 57 min
